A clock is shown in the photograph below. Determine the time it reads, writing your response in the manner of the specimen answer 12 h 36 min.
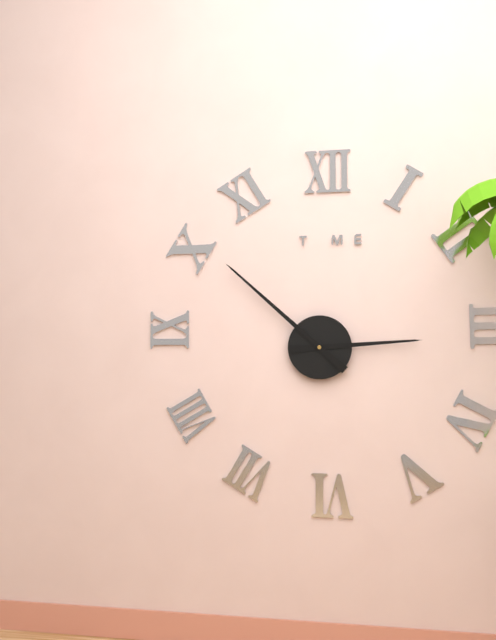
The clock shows 2 h 52 min
